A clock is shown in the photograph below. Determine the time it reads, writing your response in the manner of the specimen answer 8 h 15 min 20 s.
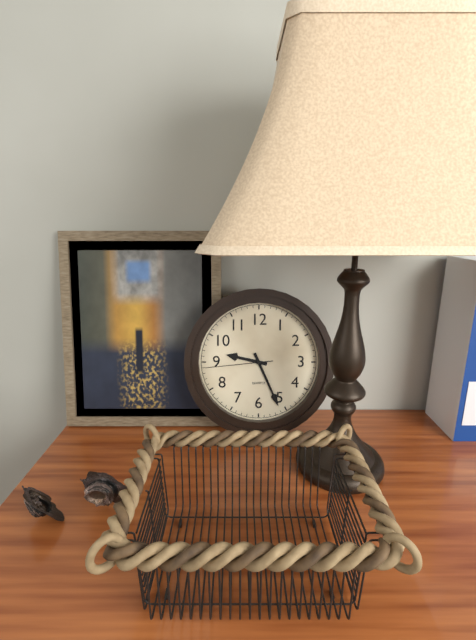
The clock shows 9 h 26 min 44 s
